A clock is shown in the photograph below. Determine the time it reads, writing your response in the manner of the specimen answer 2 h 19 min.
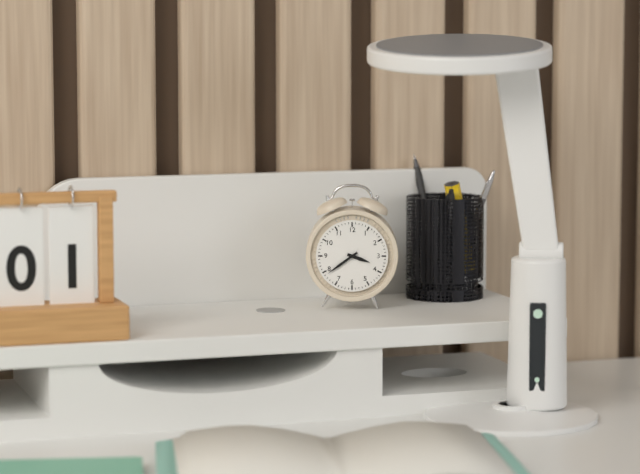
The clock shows 3 h 39 min
